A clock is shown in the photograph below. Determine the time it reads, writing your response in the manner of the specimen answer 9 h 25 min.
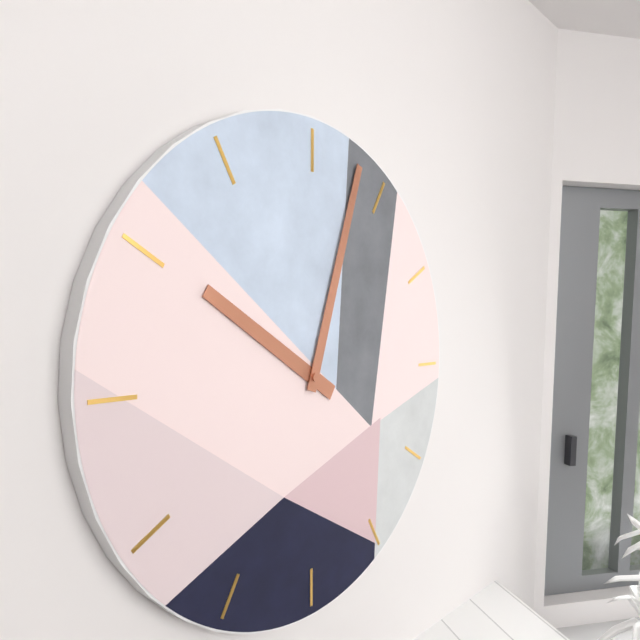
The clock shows 10 h 03 min
